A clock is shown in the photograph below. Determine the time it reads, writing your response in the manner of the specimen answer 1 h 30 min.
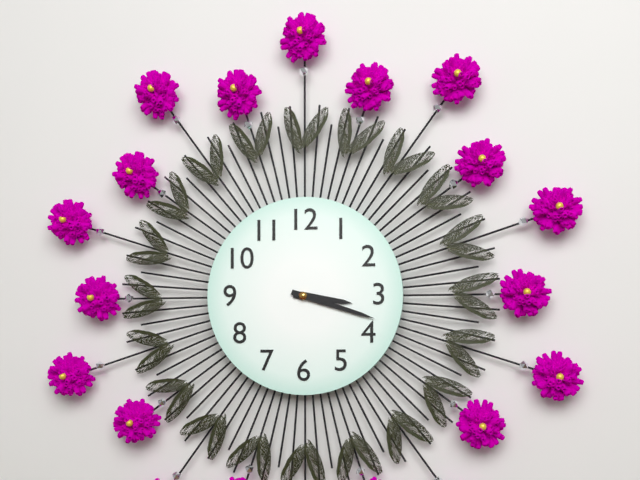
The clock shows 3 h 18 min
